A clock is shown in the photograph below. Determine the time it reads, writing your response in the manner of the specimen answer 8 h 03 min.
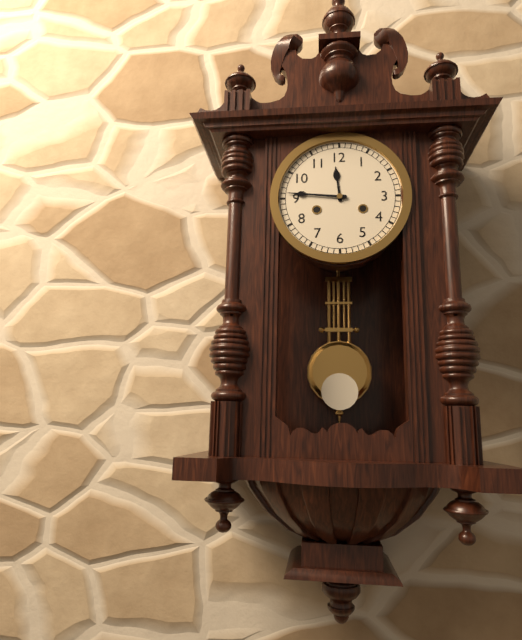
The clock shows 11 h 46 min
